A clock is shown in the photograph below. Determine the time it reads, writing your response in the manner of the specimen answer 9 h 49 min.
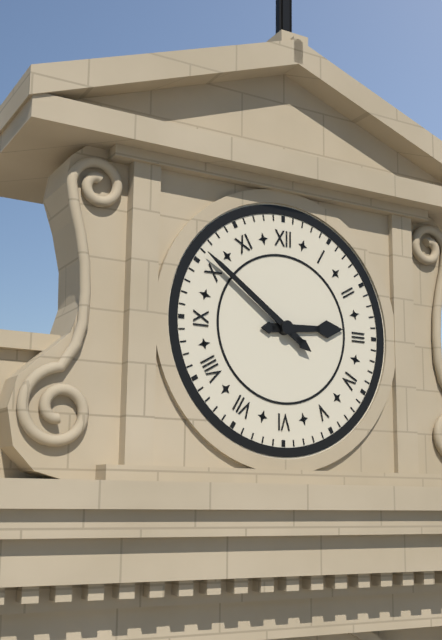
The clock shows 2 h 51 min
